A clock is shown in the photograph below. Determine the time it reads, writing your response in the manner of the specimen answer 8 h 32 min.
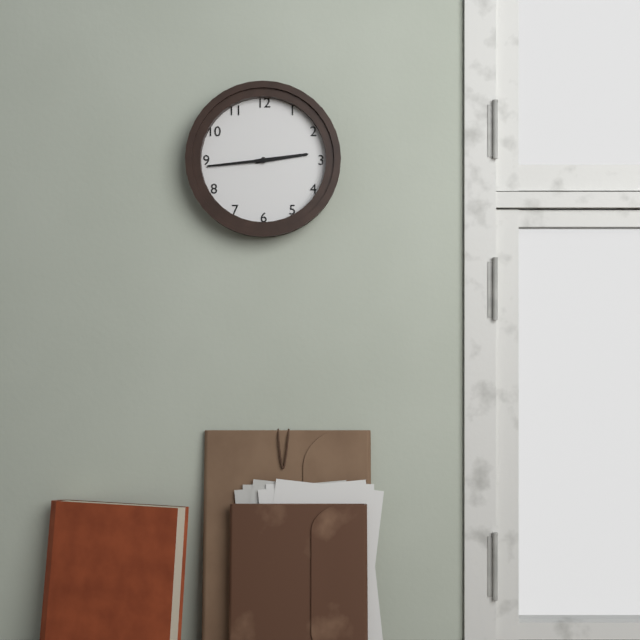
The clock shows 2 h 44 min
